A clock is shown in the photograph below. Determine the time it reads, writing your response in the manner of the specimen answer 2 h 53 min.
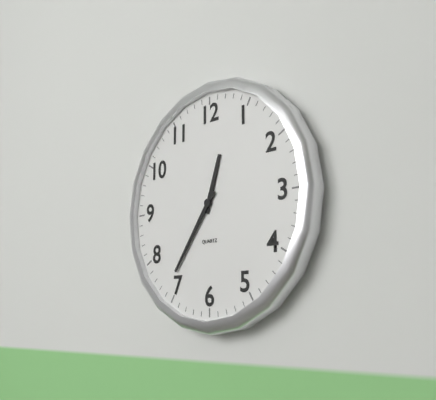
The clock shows 12 h 36 min
